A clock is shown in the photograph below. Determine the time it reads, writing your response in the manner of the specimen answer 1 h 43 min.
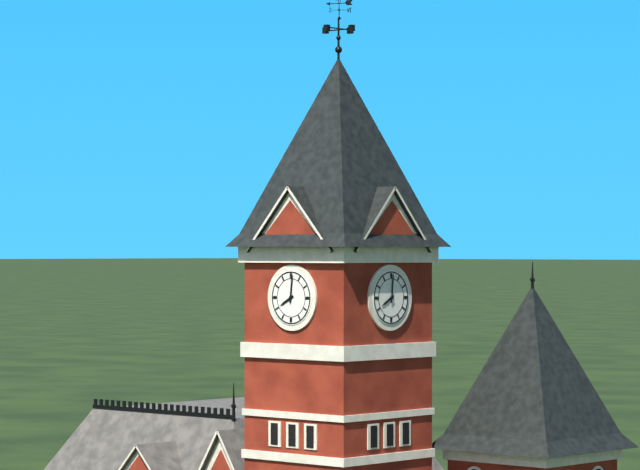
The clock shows 8 h 01 min
